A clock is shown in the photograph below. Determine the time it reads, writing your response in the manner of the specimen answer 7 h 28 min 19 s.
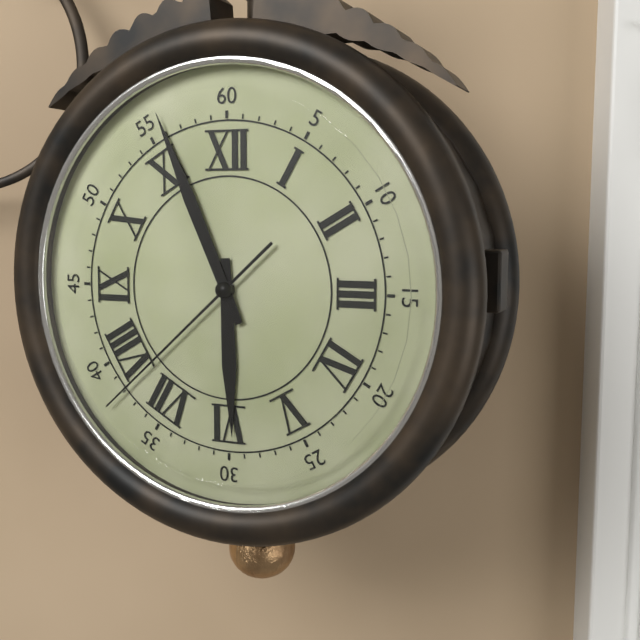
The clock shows 5 h 56 min 38 s
